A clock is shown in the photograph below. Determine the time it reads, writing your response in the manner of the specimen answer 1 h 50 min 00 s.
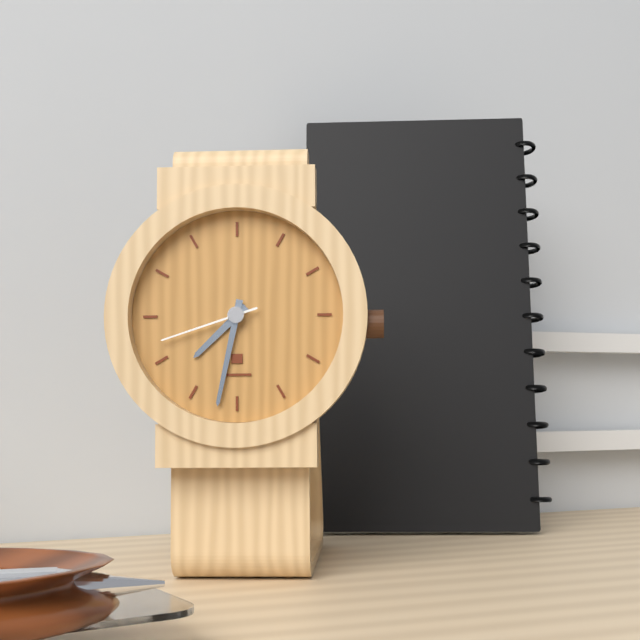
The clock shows 7 h 32 min 42 s
